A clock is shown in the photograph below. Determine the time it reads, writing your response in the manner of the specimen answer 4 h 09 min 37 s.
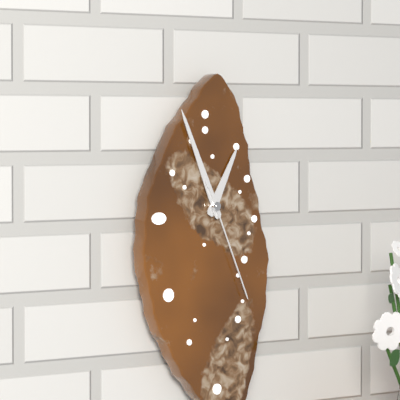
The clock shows 12 h 56 min 26 s
